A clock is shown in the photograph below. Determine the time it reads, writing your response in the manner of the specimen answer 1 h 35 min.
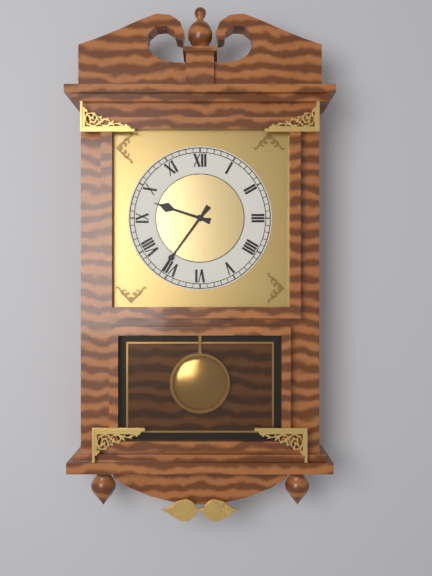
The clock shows 9 h 36 min
